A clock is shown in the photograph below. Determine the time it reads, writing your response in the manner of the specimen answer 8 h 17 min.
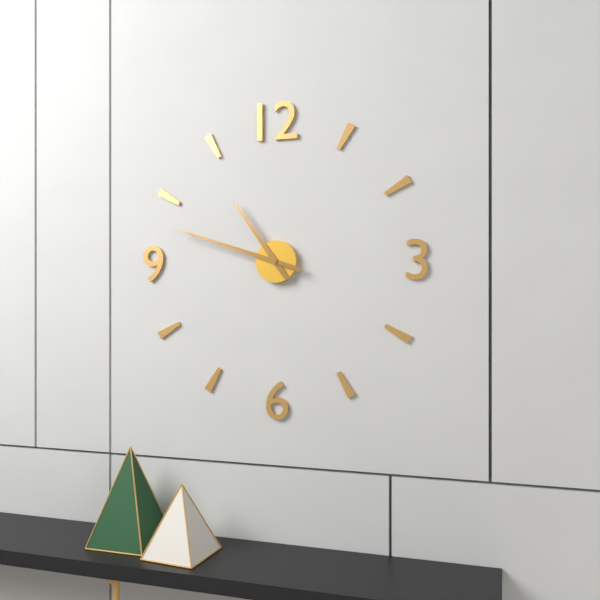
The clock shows 10 h 48 min
